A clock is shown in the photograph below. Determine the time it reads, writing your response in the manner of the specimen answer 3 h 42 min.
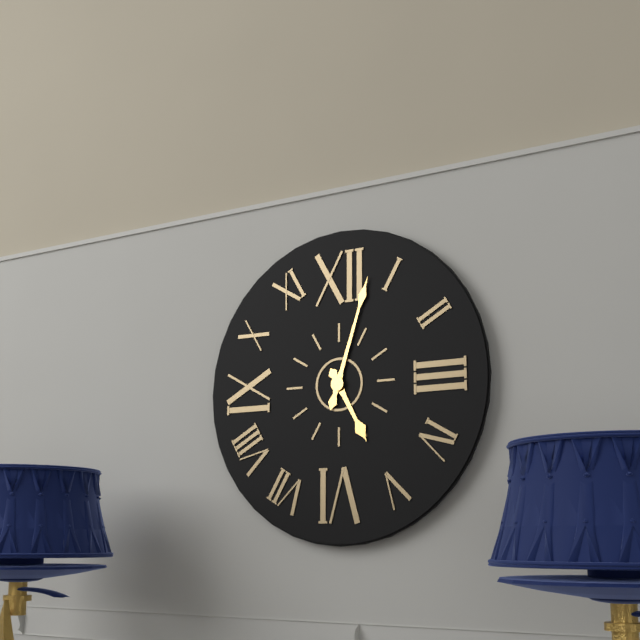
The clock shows 5 h 03 min
